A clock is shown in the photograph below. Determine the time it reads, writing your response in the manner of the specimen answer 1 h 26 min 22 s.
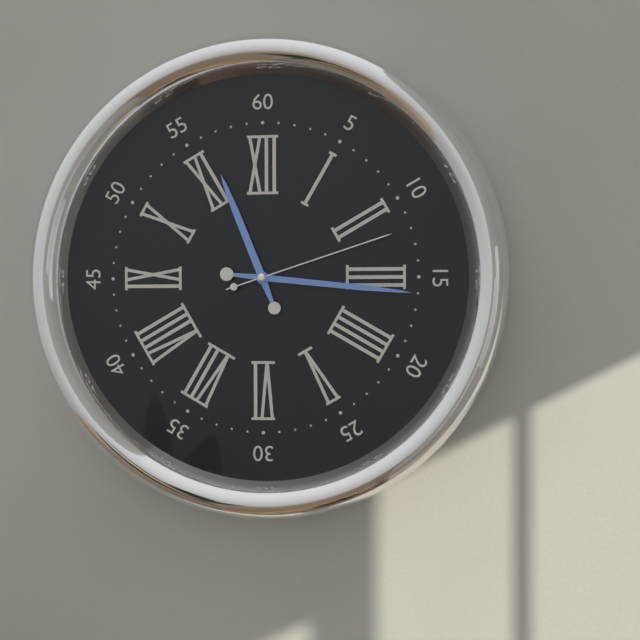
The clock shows 11 h 16 min 12 s
